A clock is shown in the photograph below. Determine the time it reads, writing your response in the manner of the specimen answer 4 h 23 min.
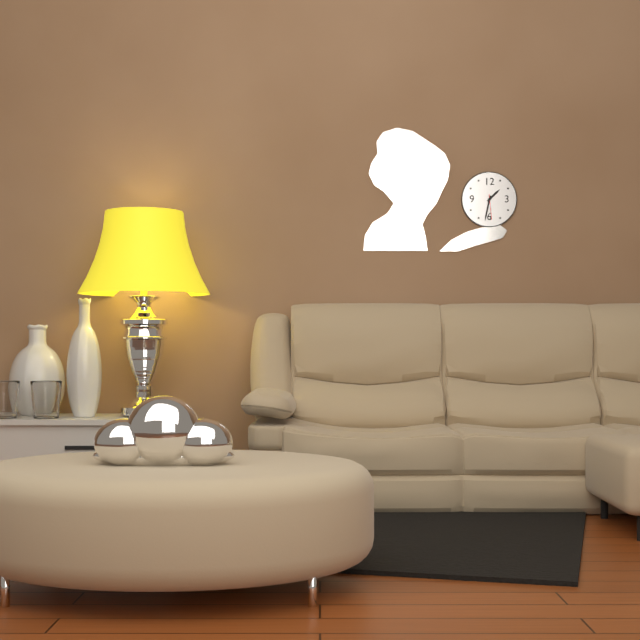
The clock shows 1 h 32 min
